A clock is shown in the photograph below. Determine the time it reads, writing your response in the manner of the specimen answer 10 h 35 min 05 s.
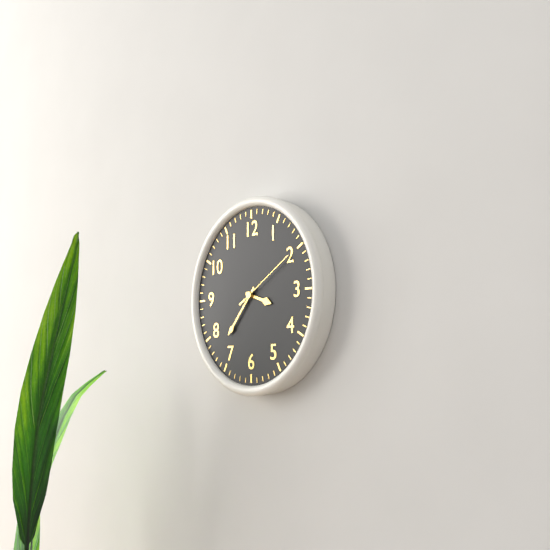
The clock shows 3 h 37 min 10 s
